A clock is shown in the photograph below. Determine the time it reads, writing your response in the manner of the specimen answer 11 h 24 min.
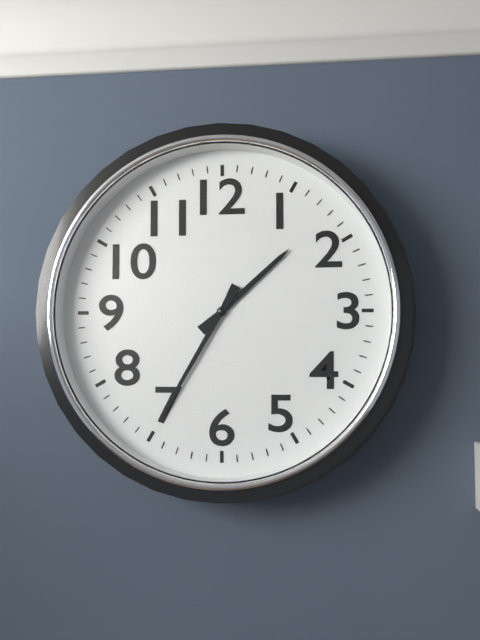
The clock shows 1 h 35 min
